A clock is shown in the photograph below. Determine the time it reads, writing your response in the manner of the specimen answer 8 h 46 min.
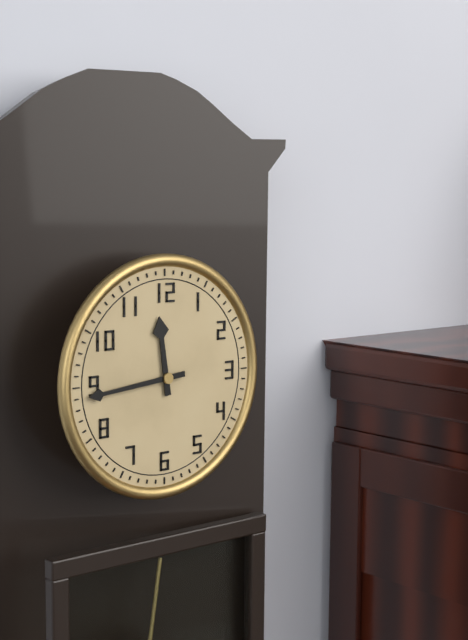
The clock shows 11 h 44 min
